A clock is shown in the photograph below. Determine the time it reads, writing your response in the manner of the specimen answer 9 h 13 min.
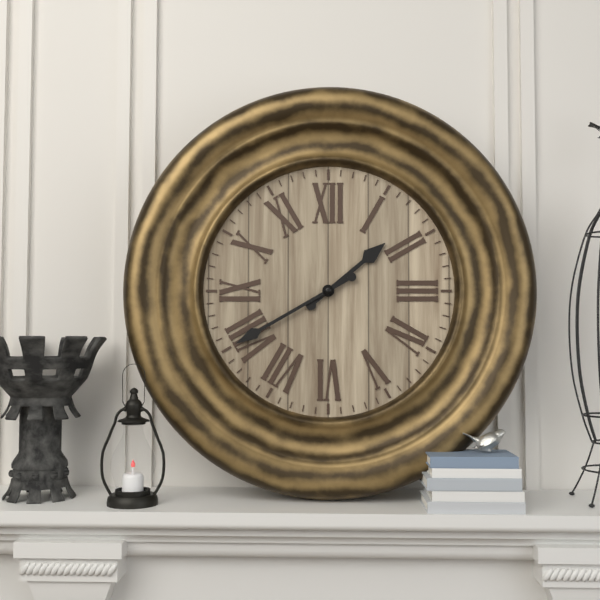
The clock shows 1 h 40 min
